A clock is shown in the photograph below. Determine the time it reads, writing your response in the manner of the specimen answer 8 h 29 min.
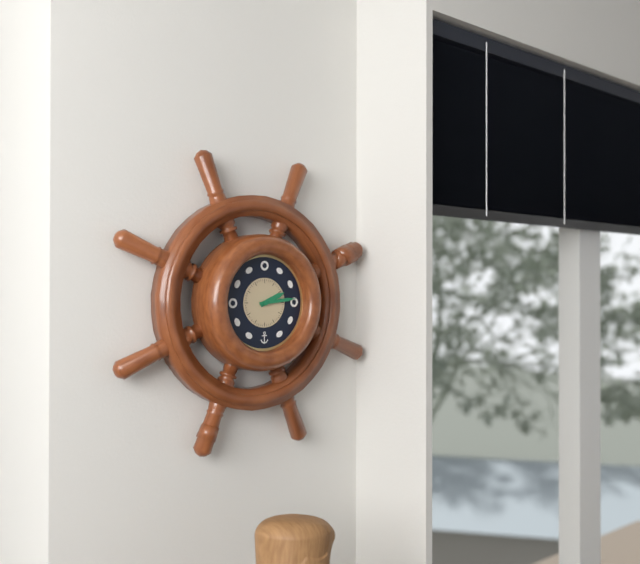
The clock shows 2 h 14 min
